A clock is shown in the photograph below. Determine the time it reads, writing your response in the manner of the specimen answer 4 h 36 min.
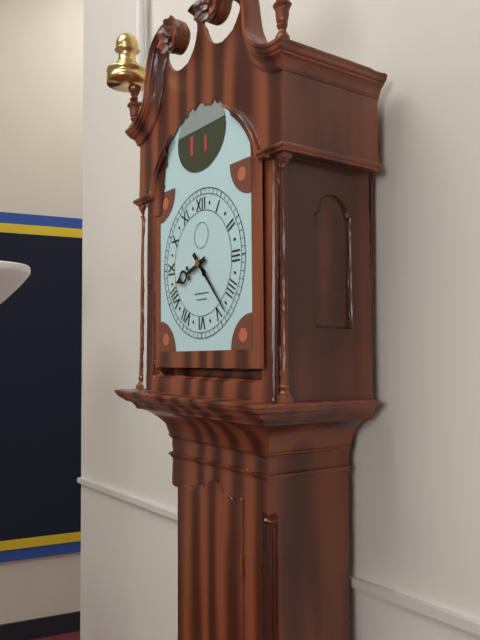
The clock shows 8 h 23 min
